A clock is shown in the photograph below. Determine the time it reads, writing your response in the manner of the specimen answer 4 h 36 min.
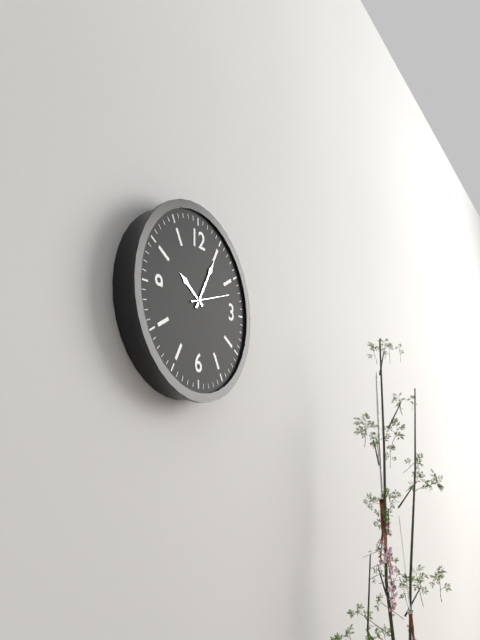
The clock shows 10 h 05 min
